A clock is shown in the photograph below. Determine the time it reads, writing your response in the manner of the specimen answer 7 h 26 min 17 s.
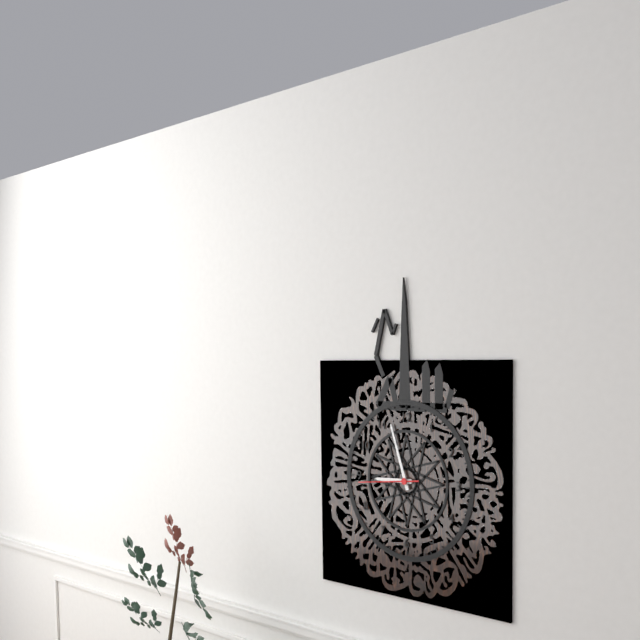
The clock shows 8 h 57 min 44 s
